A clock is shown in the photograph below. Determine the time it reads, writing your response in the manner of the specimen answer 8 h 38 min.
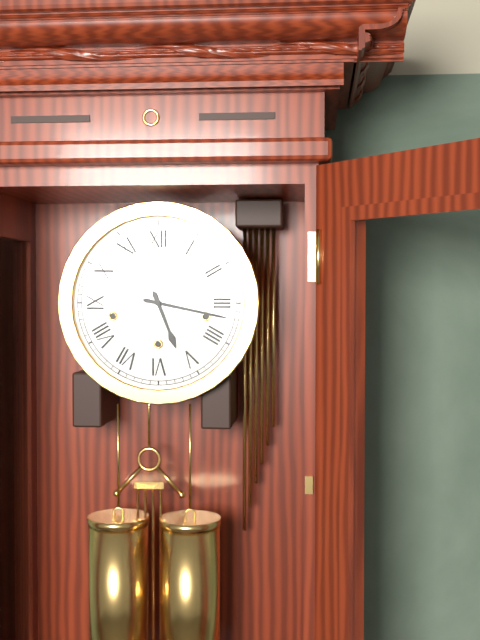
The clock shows 5 h 17 min
